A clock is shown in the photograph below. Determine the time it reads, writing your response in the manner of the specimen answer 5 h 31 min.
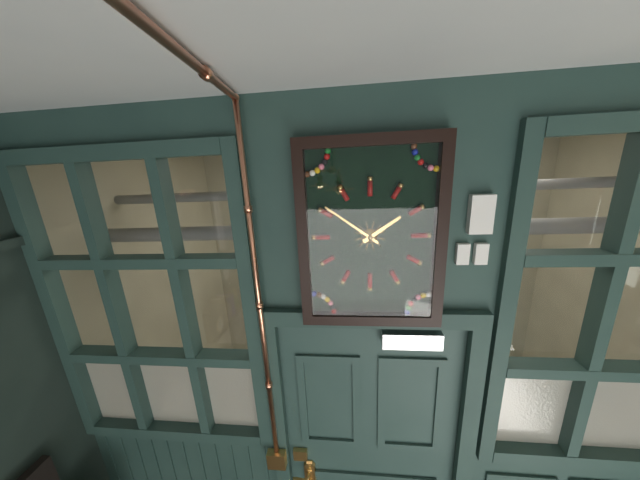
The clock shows 1 h 51 min
